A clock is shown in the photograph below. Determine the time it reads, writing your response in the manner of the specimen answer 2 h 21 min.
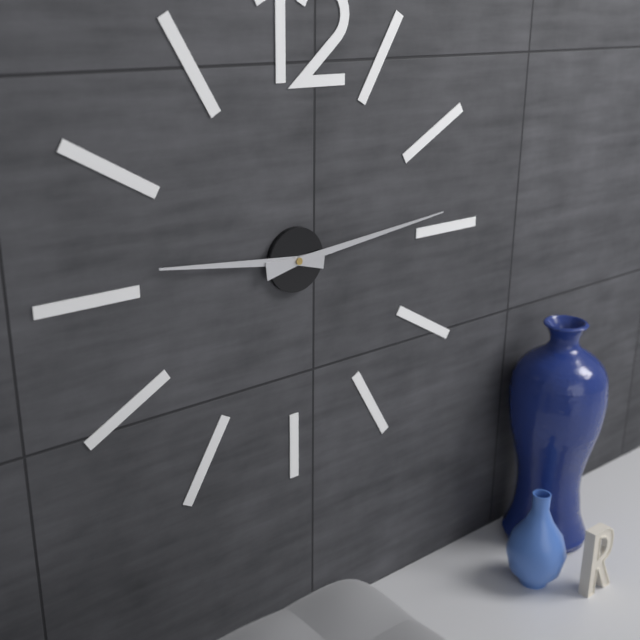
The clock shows 9 h 14 min
